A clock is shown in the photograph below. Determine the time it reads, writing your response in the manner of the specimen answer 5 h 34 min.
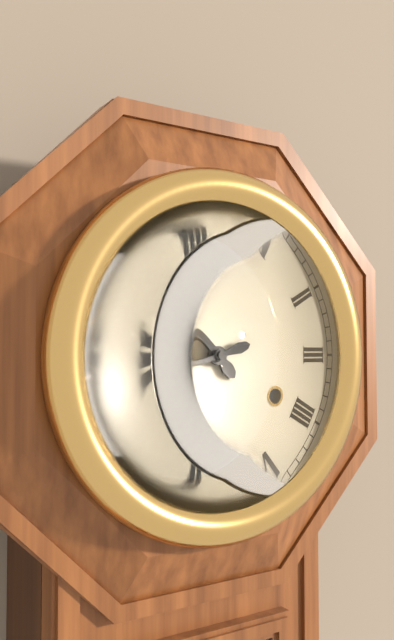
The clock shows 10 h 42 min
